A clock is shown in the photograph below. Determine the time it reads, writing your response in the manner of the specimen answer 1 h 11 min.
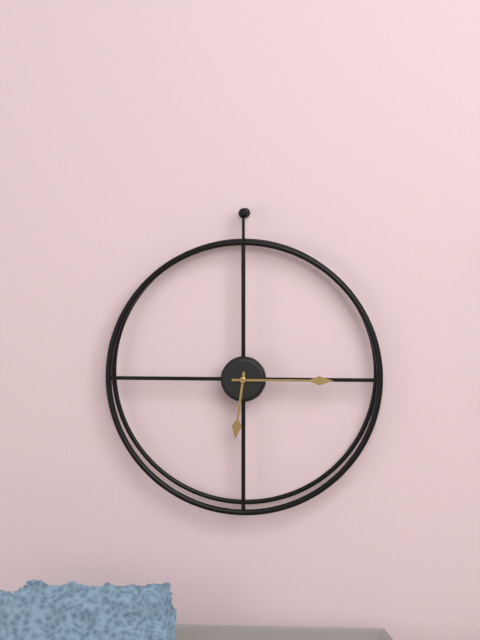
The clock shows 6 h 15 min
